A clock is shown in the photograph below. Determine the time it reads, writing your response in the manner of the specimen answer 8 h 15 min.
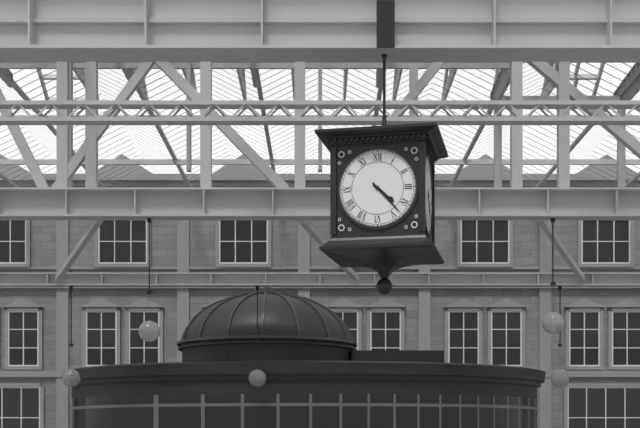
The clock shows 4 h 23 min
